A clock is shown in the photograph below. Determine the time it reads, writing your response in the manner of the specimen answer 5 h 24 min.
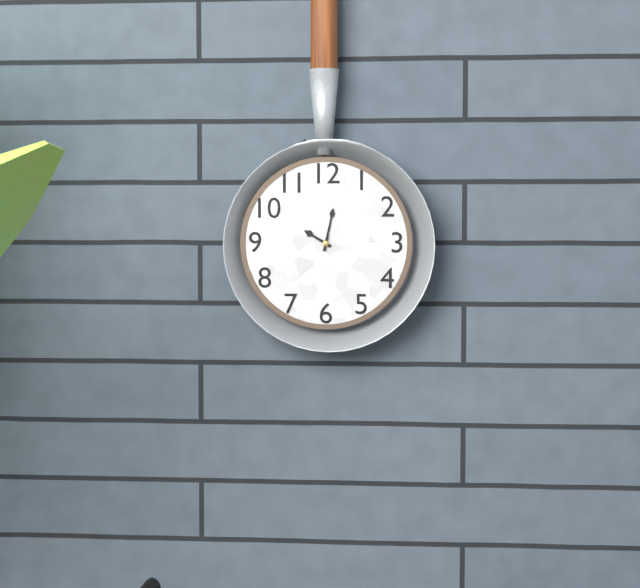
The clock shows 10 h 02 min
